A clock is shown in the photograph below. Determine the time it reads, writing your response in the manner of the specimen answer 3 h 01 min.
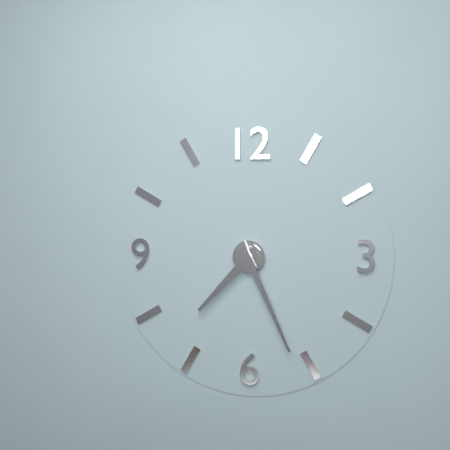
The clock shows 7 h 26 min
